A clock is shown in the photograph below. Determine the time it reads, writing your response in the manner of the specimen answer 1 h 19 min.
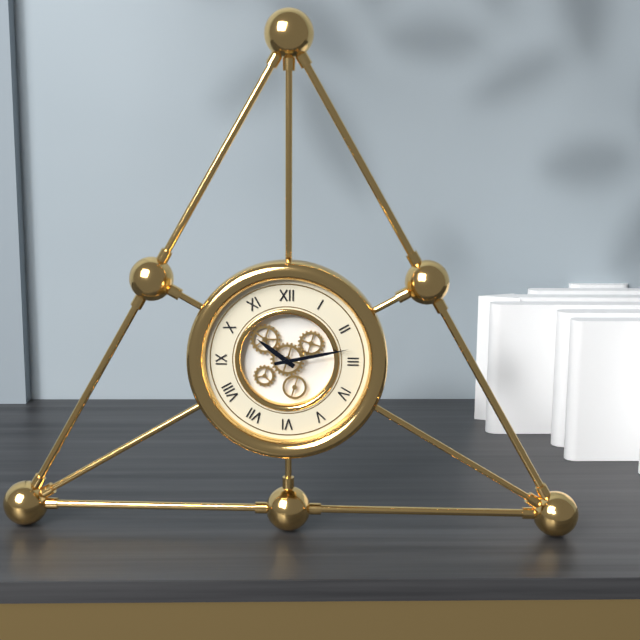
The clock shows 10 h 13 min
